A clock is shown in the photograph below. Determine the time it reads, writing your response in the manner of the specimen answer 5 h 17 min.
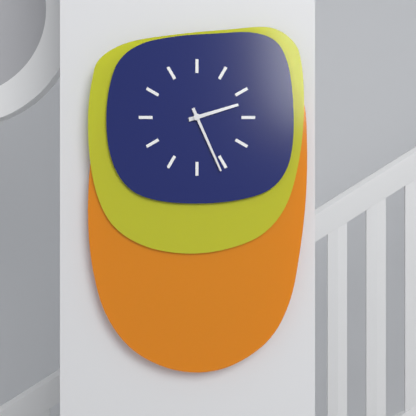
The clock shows 2 h 26 min
